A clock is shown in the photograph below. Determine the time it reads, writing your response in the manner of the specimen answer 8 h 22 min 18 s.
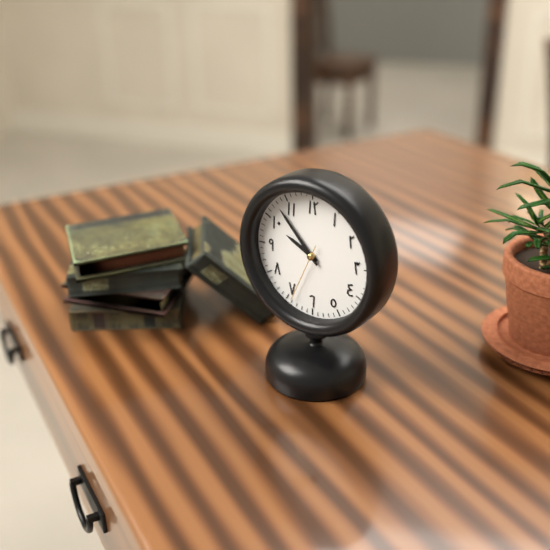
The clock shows 9 h 53 min 34 s
